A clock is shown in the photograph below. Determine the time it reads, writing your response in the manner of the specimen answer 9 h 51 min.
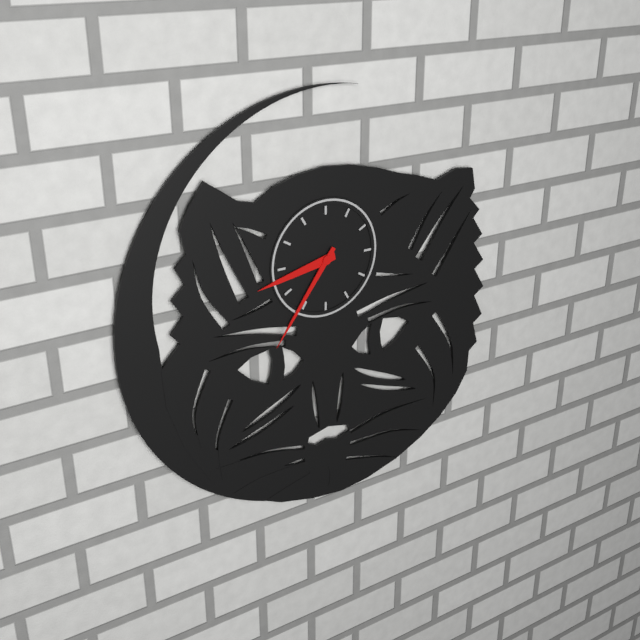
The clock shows 8 h 36 min
